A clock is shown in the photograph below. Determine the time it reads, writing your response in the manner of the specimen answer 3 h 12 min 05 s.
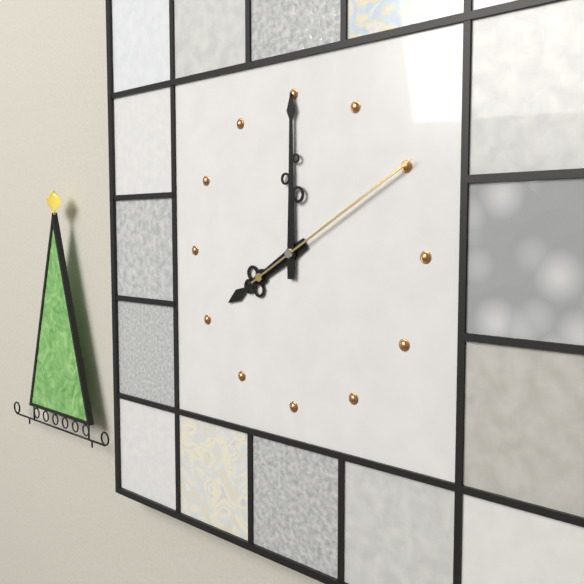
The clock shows 8 h 00 min 10 s
